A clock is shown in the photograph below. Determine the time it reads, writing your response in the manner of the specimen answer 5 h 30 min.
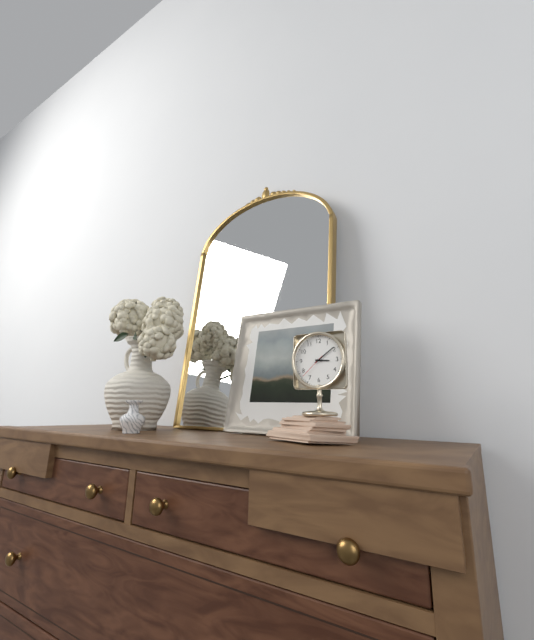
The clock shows 3 h 09 min
